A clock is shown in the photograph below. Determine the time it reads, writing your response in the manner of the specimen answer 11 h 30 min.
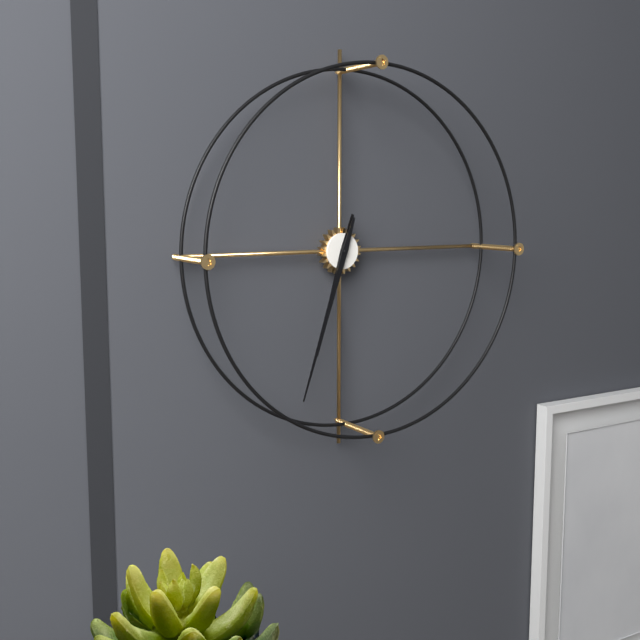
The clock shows 6 h 33 min
